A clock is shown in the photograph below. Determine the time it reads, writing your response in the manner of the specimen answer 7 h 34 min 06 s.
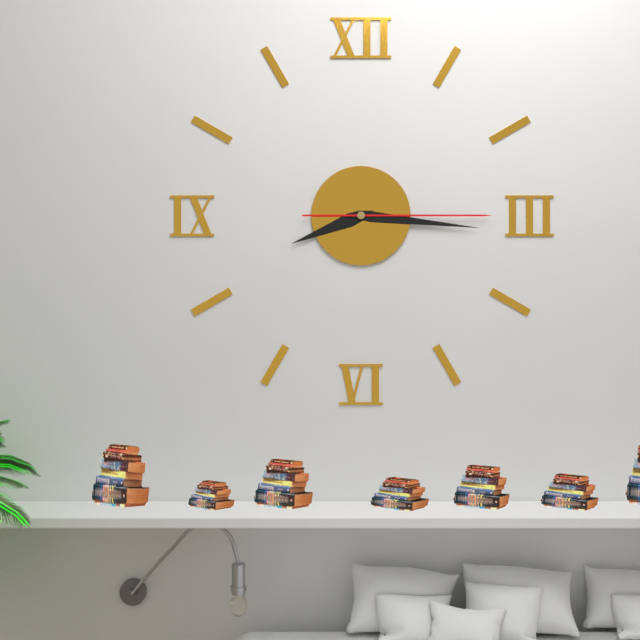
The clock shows 8 h 16 min 15 s
